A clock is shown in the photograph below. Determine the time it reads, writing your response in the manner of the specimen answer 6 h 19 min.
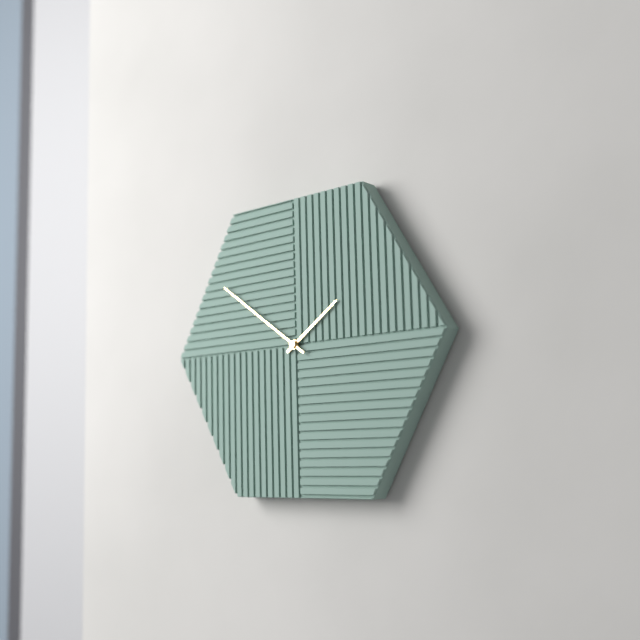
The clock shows 1 h 51 min
